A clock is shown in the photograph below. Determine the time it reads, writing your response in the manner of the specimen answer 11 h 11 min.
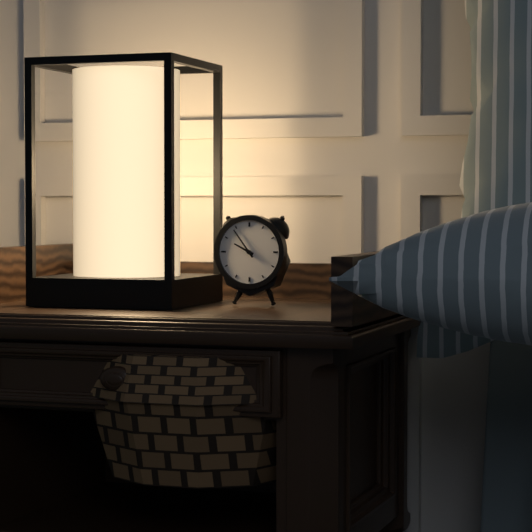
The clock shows 9 h 54 min
